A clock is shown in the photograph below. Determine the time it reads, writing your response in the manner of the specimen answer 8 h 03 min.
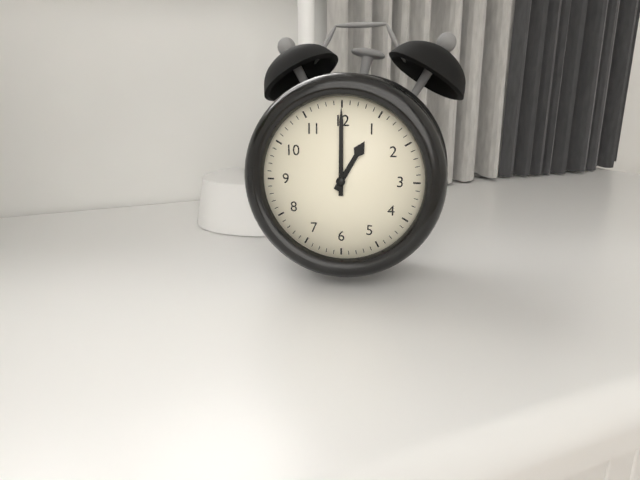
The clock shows 1 h 00 min
